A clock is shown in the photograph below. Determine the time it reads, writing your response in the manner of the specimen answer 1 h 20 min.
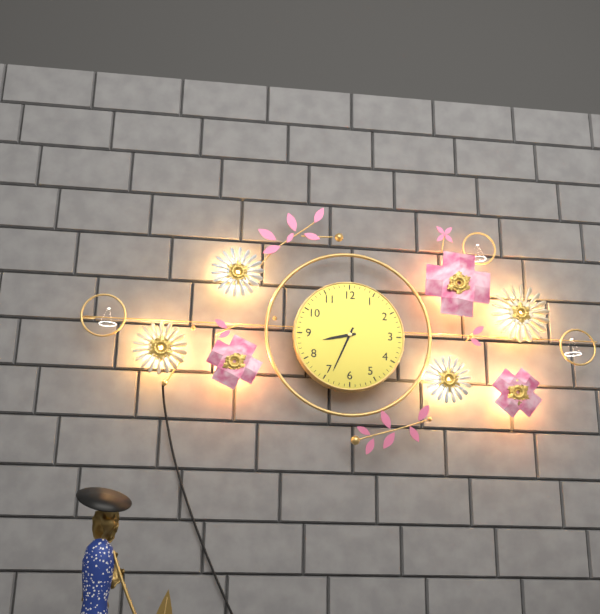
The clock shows 8 h 34 min
